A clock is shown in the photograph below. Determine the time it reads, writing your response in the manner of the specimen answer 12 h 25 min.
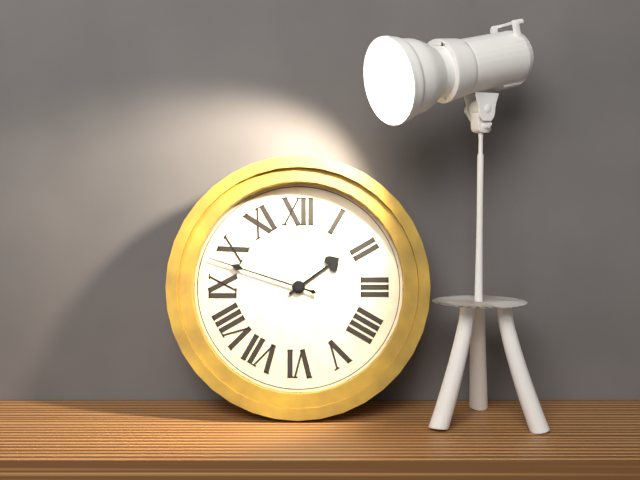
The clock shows 1 h 48 min
